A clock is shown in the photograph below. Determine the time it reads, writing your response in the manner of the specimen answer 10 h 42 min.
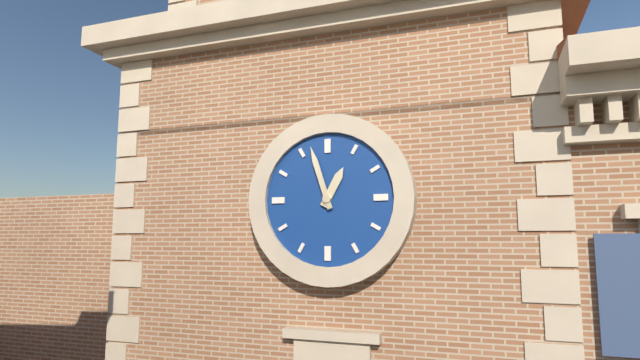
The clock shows 12 h 57 min
